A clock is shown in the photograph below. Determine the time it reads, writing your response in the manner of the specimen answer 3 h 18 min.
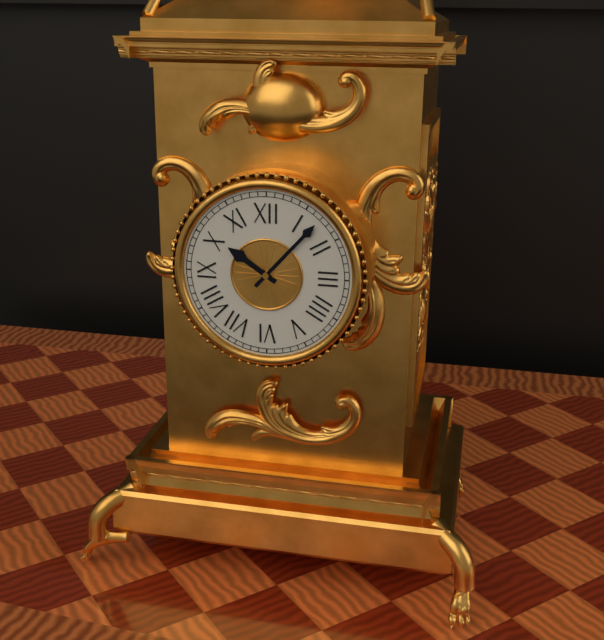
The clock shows 10 h 07 min
